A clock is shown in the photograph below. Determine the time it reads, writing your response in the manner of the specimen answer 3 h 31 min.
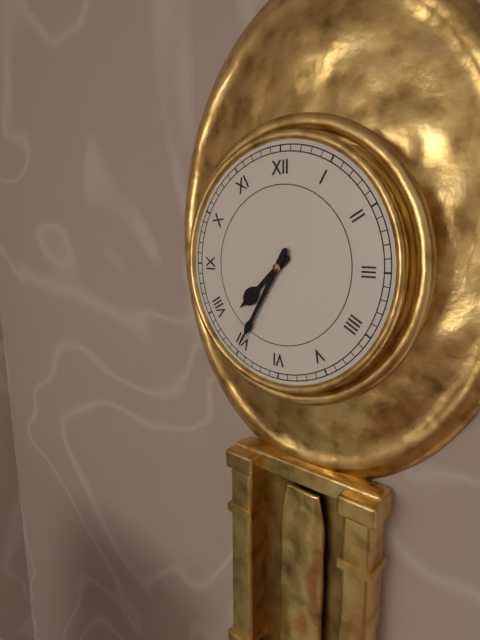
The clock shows 7 h 35 min
